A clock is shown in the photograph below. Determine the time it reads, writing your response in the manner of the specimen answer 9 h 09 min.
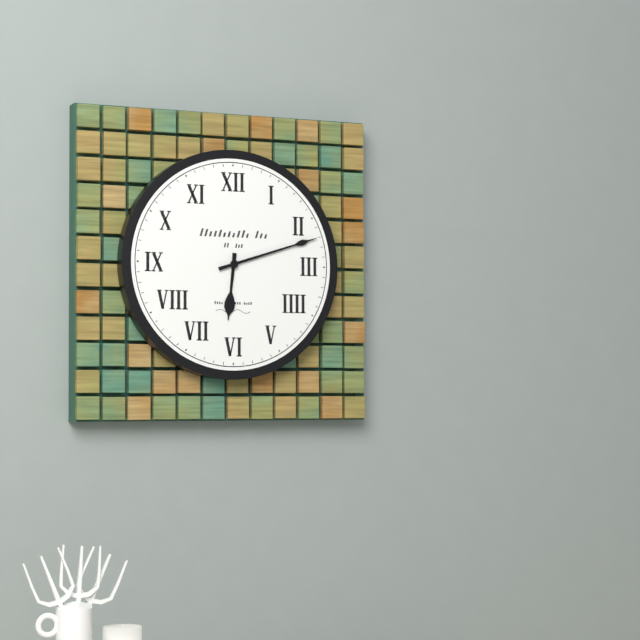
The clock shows 6 h 12 min
